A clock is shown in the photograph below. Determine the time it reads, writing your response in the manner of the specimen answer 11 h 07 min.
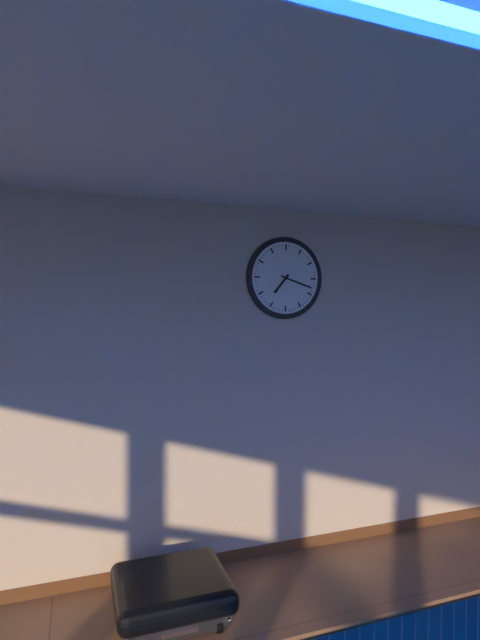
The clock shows 7 h 18 min
